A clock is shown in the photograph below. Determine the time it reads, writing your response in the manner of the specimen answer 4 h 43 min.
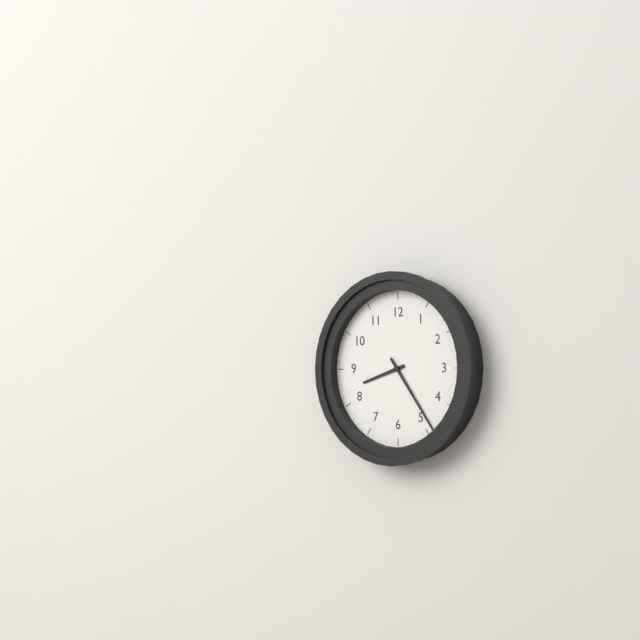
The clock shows 8 h 24 min
